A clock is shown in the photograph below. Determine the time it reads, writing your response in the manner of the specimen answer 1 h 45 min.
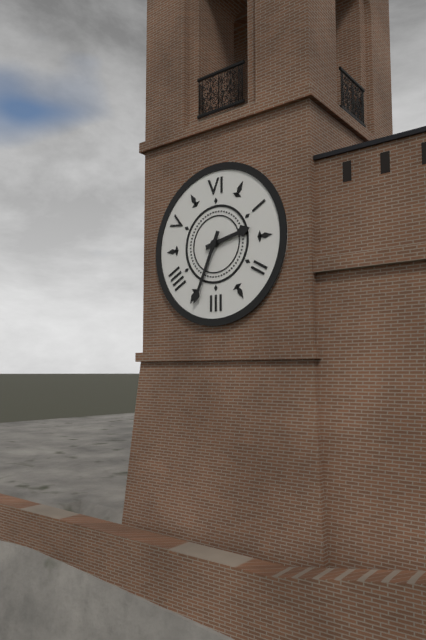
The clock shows 2 h 34 min
